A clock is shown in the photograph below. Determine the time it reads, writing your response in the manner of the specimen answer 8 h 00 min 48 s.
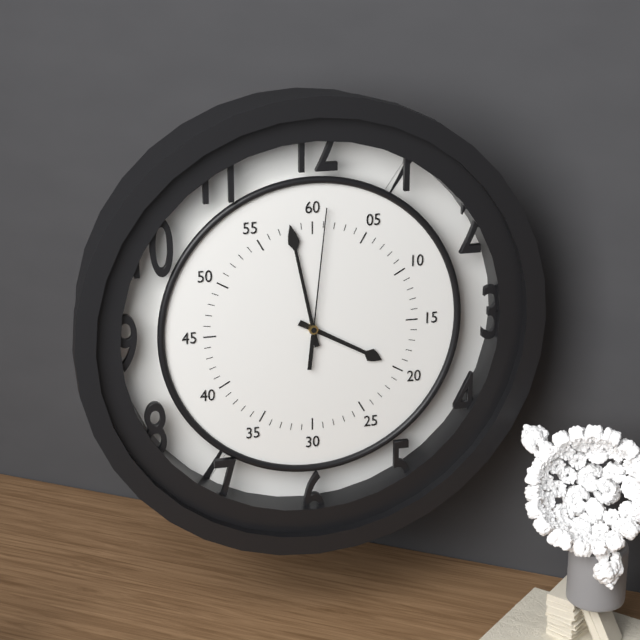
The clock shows 3 h 58 min 01 s
